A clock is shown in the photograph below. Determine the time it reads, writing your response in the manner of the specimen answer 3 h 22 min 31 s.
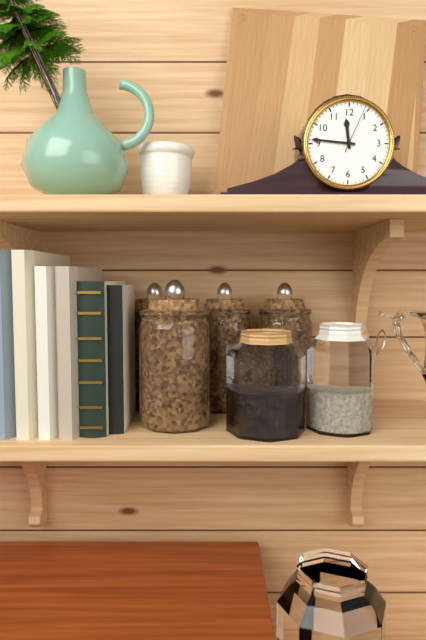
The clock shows 11 h 46 min 04 s
